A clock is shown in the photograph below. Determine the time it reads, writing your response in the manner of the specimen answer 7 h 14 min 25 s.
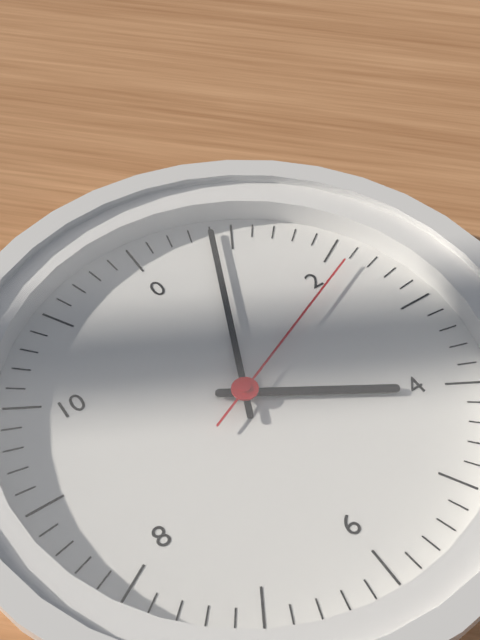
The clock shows 4 h 04 min 11 s
